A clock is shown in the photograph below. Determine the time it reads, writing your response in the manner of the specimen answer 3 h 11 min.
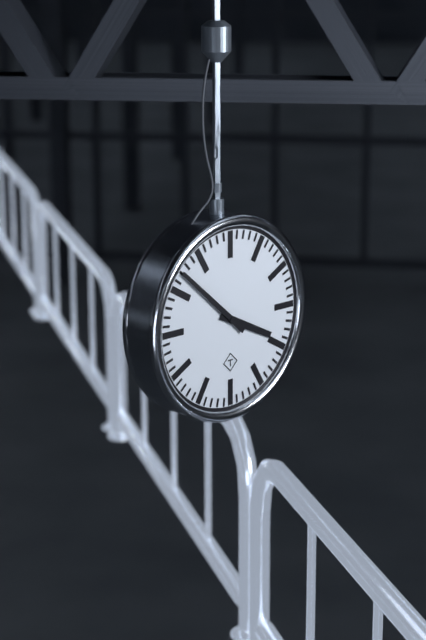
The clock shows 3 h 52 min
